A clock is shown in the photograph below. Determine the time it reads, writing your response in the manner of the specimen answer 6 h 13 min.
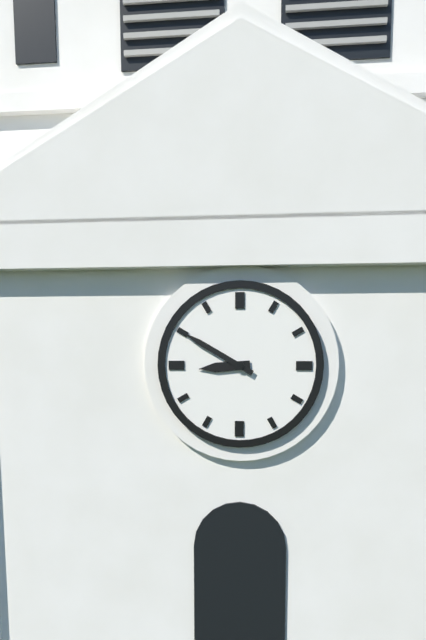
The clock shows 8 h 50 min
